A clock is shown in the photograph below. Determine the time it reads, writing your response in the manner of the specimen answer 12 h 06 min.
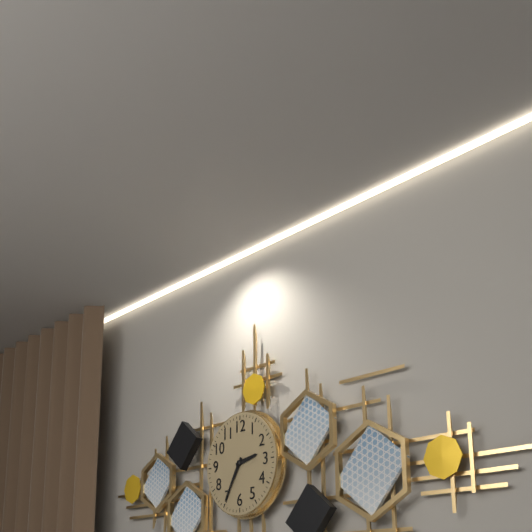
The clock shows 2 h 35 min
